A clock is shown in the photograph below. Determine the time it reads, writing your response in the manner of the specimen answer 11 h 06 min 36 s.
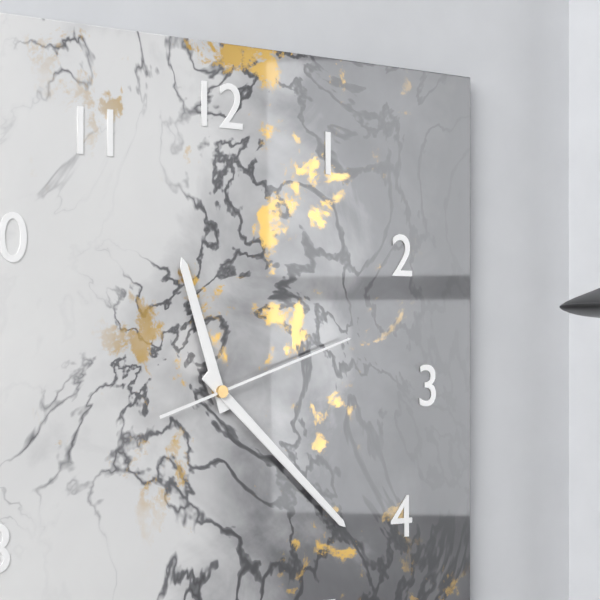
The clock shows 11 h 22 min 12 s
